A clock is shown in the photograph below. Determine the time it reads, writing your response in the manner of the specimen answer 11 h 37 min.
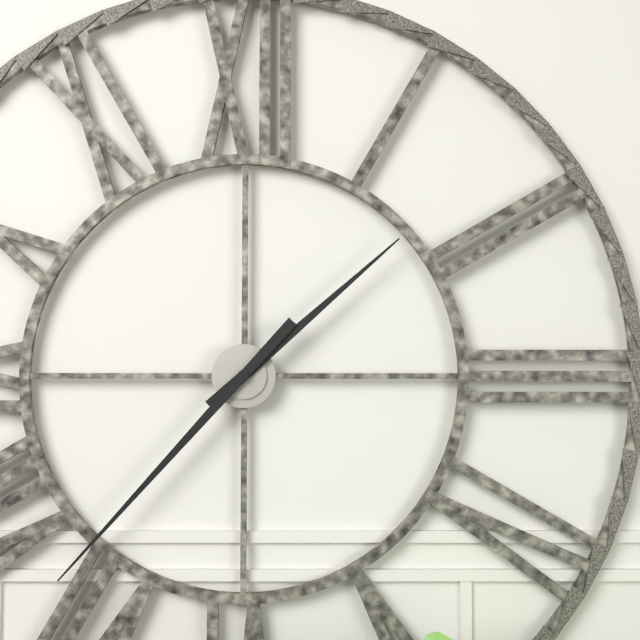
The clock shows 1 h 37 min
